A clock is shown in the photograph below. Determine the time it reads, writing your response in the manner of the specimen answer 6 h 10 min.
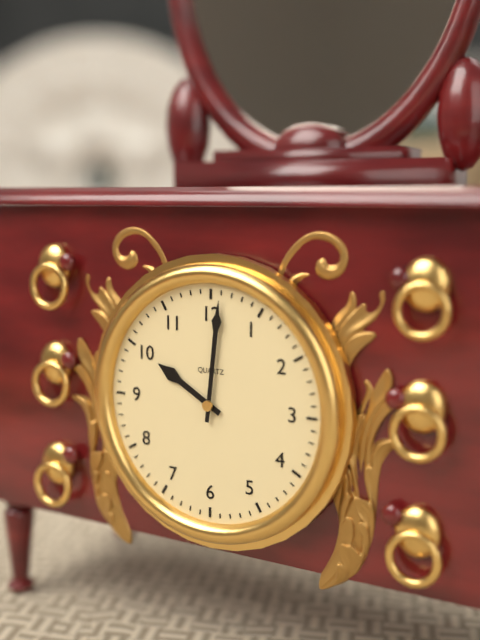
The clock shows 10 h 01 min
